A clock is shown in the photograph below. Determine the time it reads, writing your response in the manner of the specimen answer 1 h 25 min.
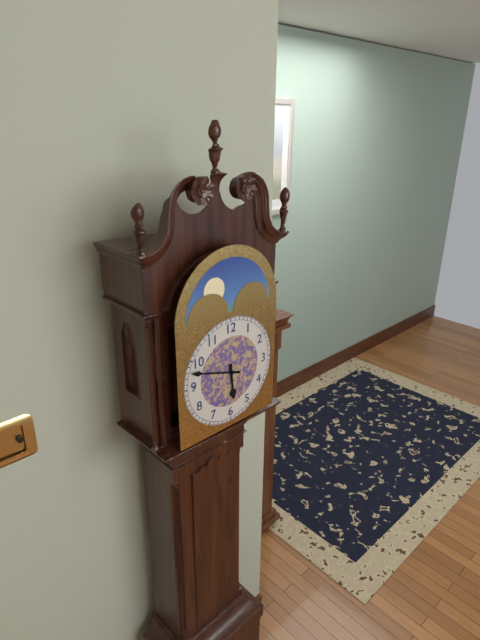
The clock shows 5 h 48 min
